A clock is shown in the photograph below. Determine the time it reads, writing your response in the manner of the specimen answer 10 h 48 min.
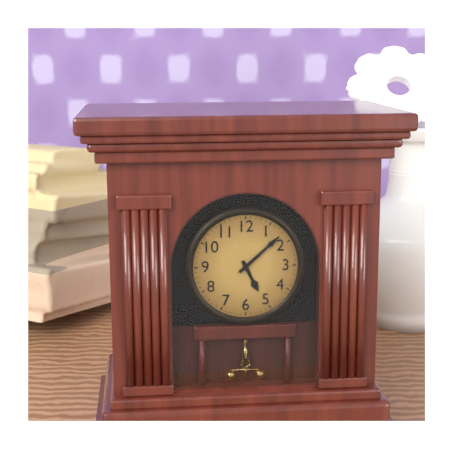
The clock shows 5 h 08 min
